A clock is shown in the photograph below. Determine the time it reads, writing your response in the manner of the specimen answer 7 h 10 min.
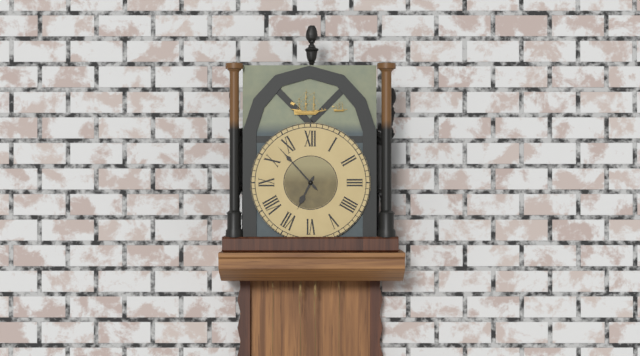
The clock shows 6 h 53 min
